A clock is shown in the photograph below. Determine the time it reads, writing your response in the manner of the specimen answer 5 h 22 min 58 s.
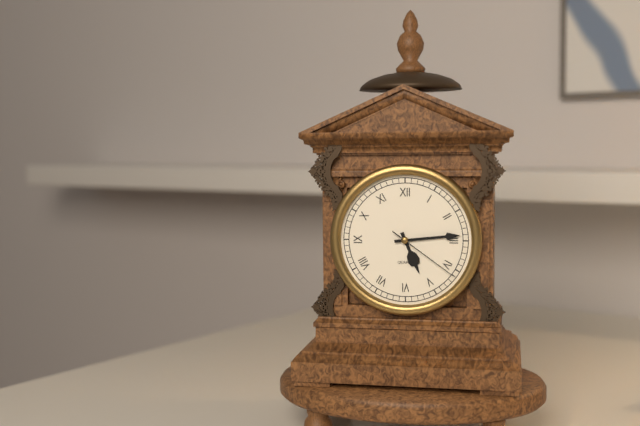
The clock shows 5 h 14 min 21 s
